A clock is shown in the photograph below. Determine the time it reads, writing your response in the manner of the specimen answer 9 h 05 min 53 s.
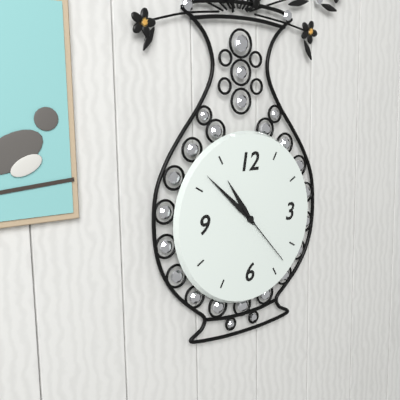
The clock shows 10 h 52 min 23 s
